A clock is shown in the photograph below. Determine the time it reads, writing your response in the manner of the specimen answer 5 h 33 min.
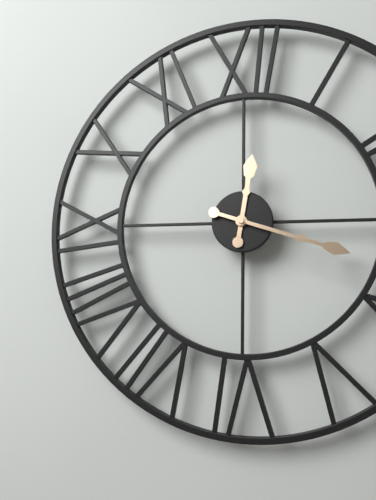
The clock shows 12 h 18 min
